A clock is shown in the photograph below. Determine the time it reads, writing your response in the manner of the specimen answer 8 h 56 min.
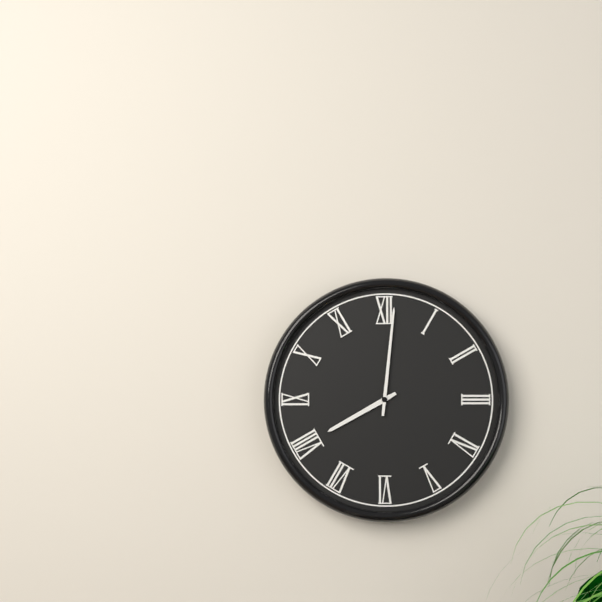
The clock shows 8 h 01 min
